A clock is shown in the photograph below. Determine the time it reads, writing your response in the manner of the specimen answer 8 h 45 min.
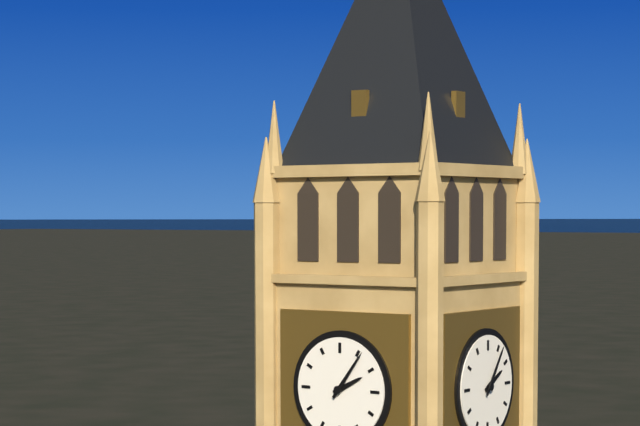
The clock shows 2 h 06 min
